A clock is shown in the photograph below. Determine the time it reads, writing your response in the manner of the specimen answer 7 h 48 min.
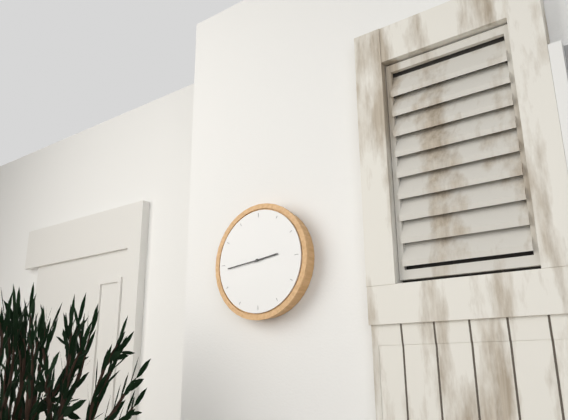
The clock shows 2 h 44 min
